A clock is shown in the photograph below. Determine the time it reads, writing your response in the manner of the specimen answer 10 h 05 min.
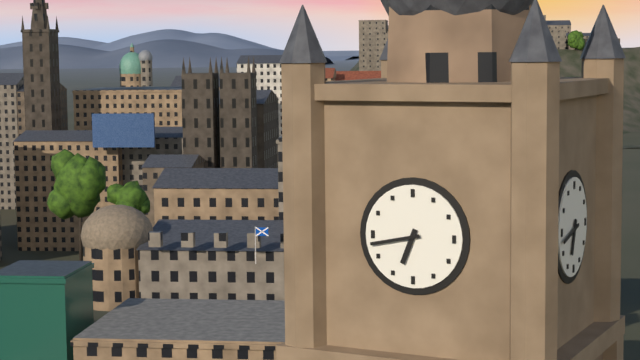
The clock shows 6 h 43 min
